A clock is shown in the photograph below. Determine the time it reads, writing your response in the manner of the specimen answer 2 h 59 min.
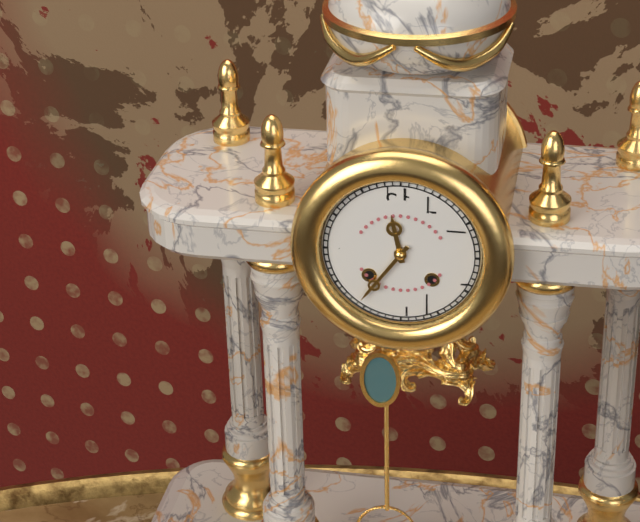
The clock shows 11 h 36 min
